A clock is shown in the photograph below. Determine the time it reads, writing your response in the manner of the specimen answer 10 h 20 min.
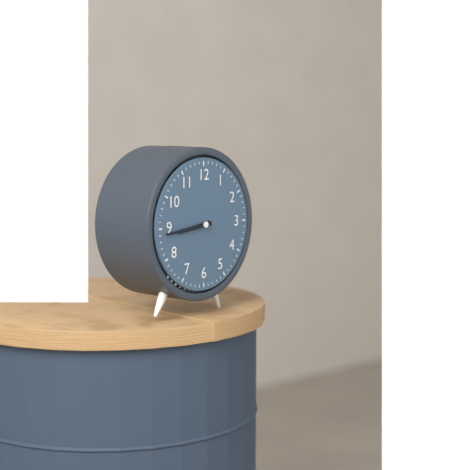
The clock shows 8 h 44 min
